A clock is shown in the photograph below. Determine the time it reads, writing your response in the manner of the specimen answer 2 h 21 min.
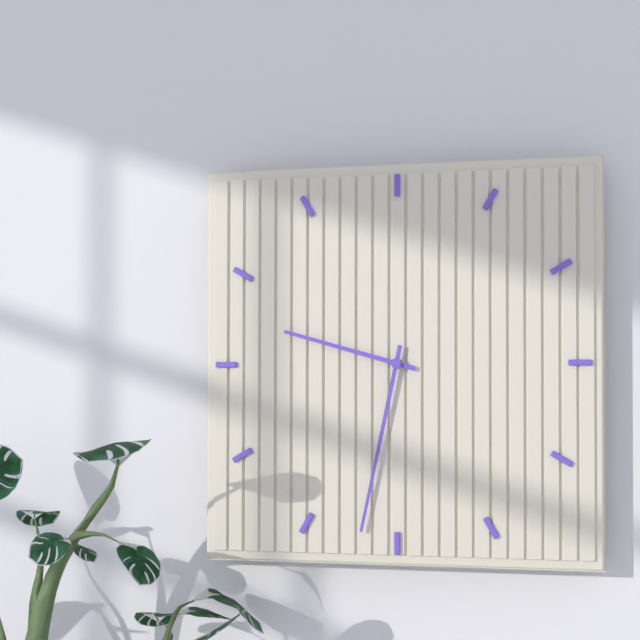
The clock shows 9 h 32 min
